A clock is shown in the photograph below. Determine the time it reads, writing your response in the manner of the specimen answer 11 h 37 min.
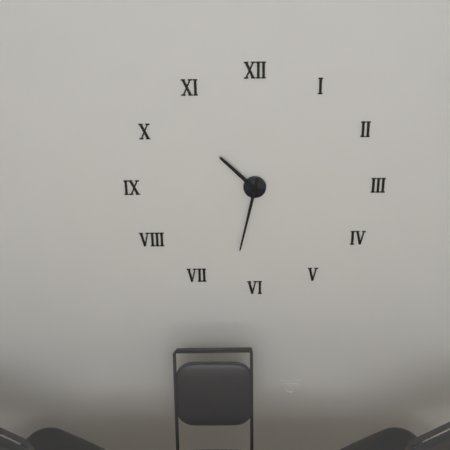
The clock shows 10 h 32 min
